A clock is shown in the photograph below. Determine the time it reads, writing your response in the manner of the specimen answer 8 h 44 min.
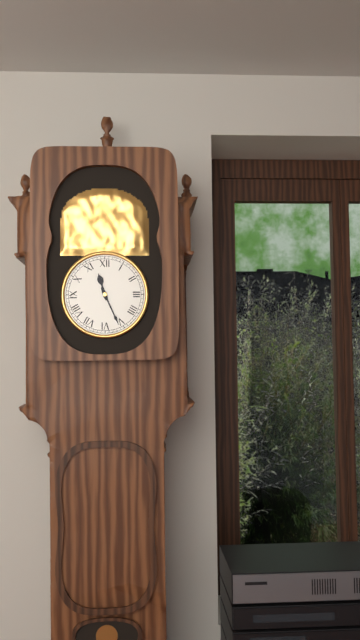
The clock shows 11 h 26 min
